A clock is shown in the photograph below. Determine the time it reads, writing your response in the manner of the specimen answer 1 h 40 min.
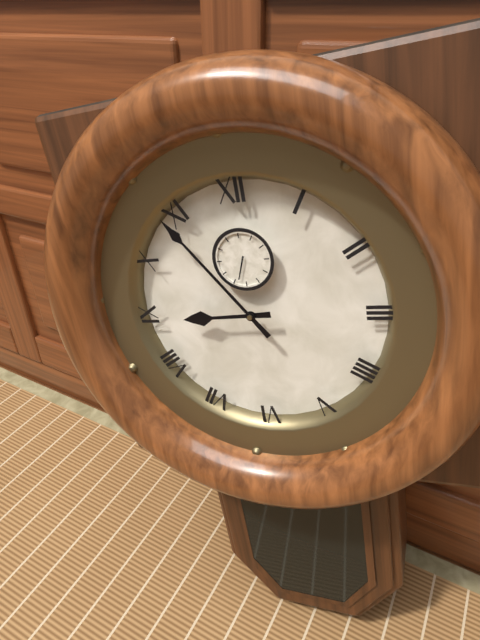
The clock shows 8 h 54 min
